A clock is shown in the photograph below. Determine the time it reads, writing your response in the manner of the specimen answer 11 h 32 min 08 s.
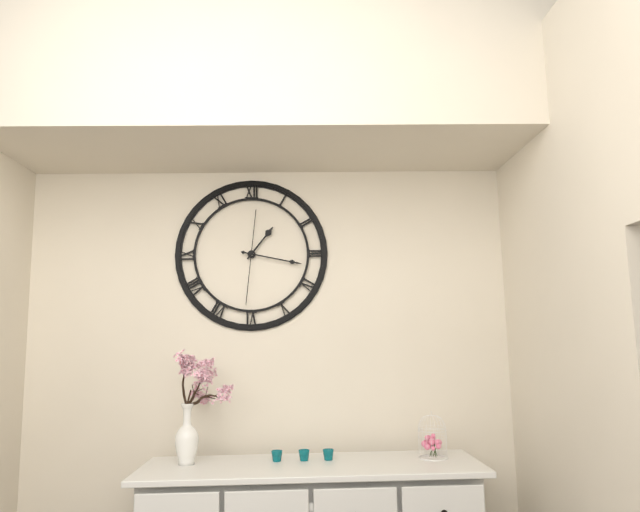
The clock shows 1 h 17 min 31 s
